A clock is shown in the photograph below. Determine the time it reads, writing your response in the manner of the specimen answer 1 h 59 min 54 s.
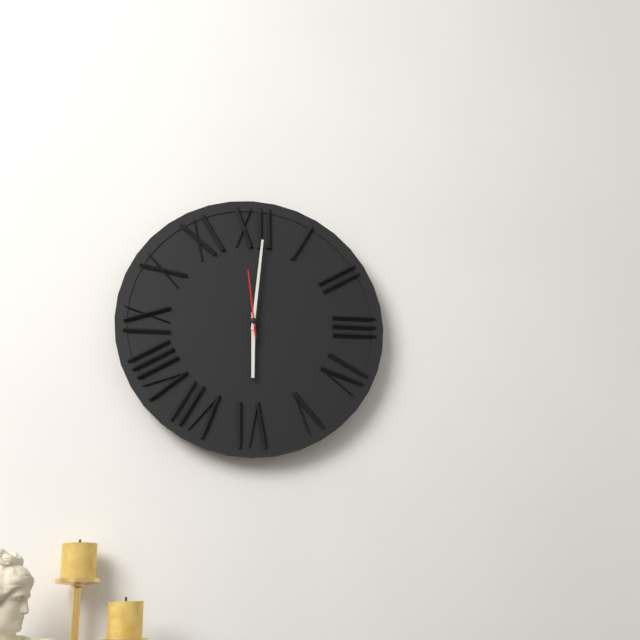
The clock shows 6 h 01 min 59 s
